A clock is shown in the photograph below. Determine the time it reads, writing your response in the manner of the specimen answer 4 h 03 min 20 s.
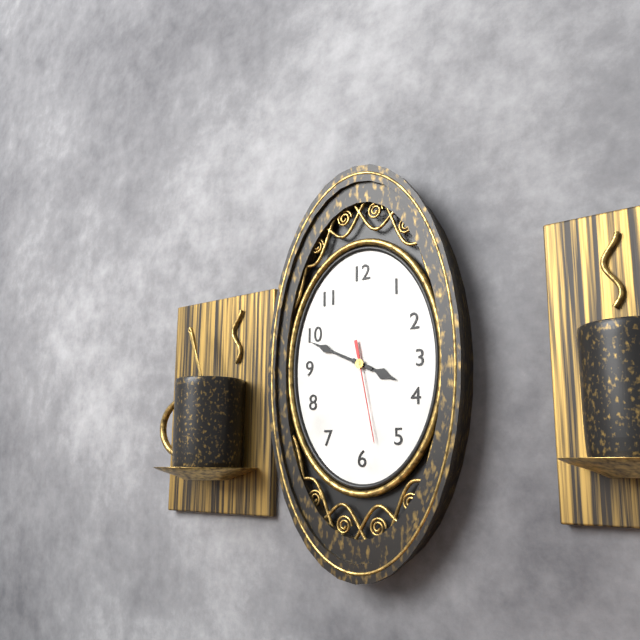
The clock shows 3 h 49 min 28 s
